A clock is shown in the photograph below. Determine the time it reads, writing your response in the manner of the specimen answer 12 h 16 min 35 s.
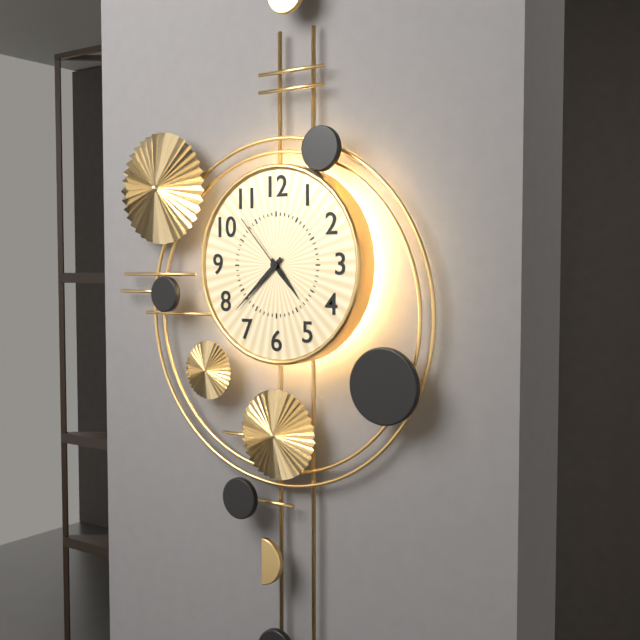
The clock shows 4 h 38 min 53 s
